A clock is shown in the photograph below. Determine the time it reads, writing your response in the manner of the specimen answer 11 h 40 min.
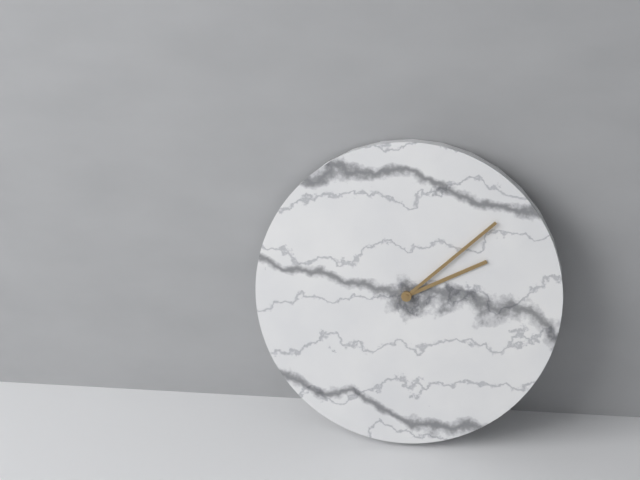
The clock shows 2 h 08 min
